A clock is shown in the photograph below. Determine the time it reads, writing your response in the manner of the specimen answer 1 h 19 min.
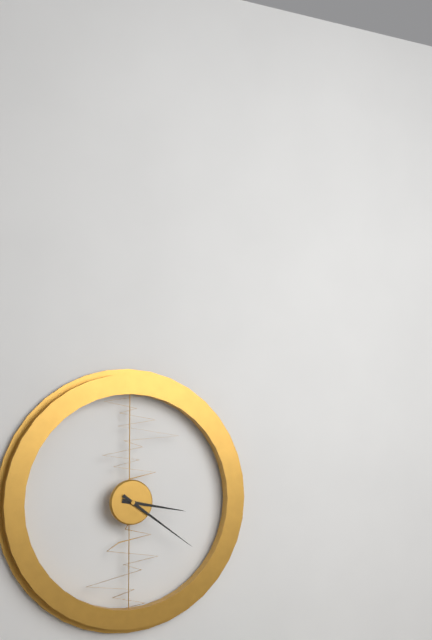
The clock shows 3 h 21 min
